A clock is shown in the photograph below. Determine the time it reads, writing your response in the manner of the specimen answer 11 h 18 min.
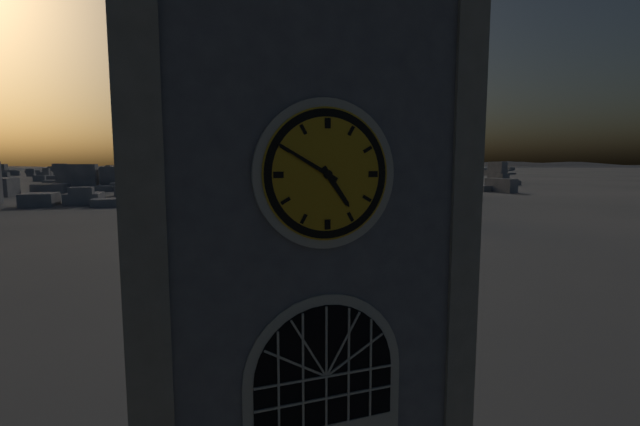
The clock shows 4 h 50 min
